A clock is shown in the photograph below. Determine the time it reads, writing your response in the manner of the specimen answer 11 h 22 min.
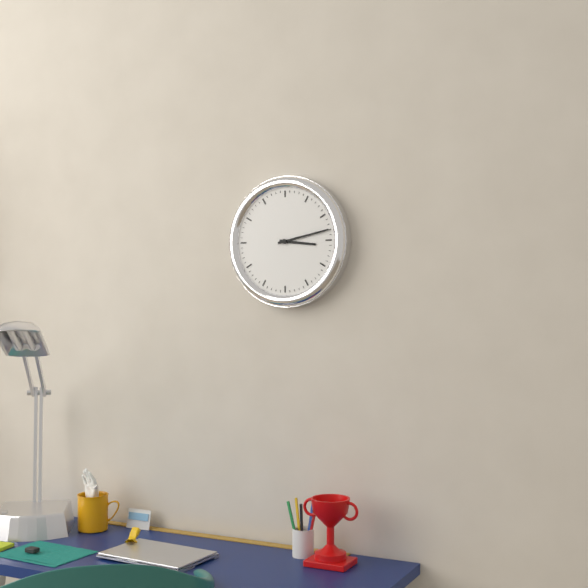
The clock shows 3 h 13 min
